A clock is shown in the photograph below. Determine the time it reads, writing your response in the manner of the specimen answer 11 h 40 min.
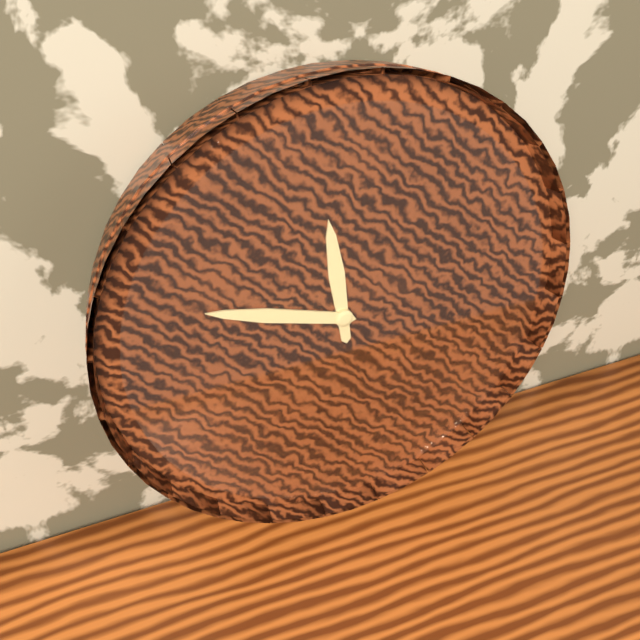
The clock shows 11 h 48 min
